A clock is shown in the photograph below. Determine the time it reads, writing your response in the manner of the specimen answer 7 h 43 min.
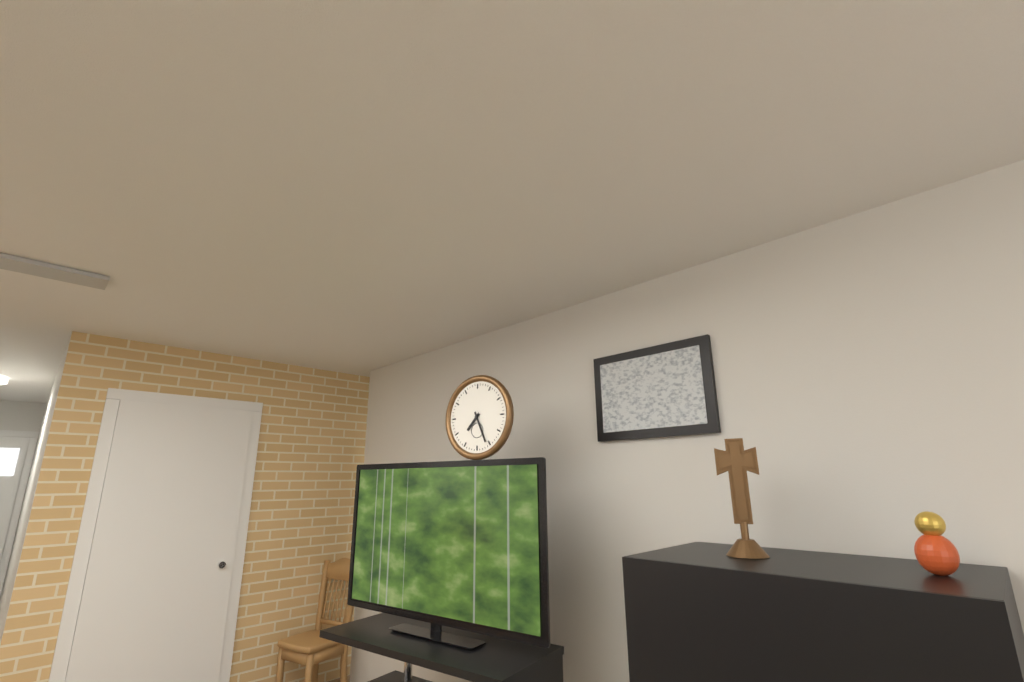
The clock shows 7 h 26 min
